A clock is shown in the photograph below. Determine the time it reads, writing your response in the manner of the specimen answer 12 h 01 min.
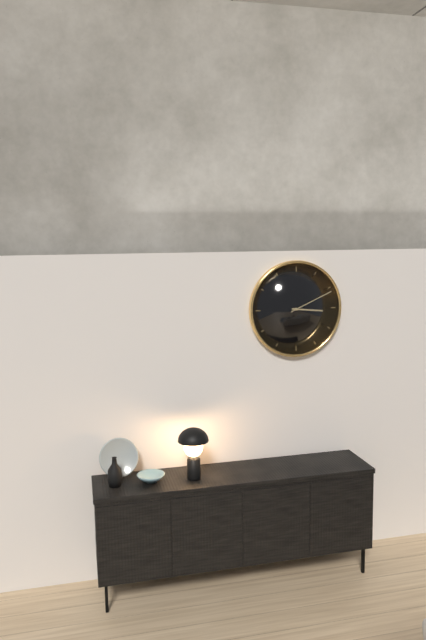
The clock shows 3 h 11 min
